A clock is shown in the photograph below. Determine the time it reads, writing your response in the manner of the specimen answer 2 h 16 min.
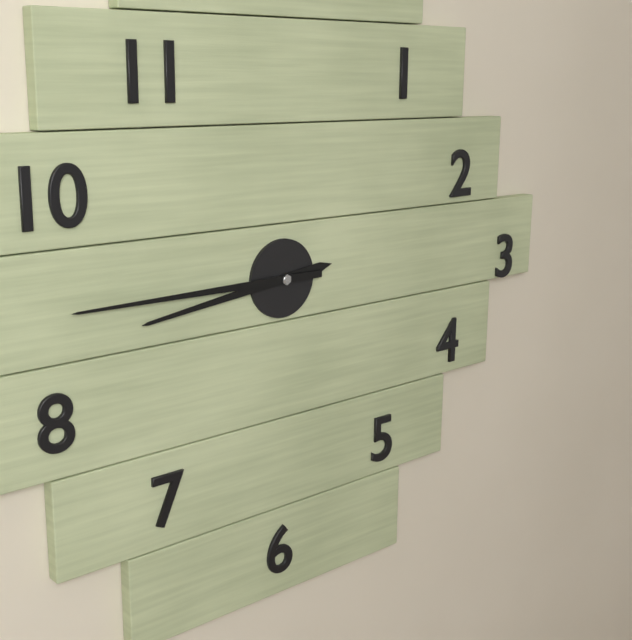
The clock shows 8 h 45 min
